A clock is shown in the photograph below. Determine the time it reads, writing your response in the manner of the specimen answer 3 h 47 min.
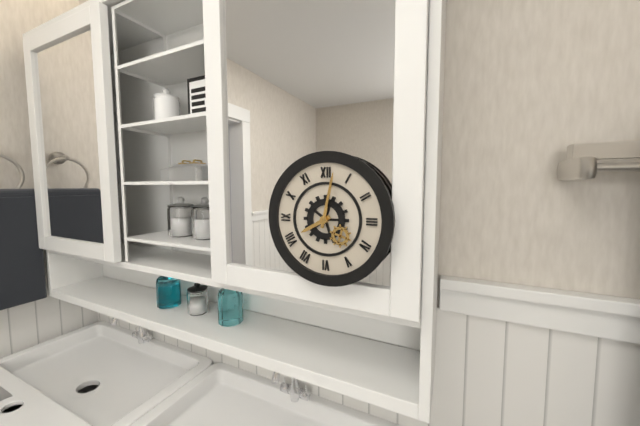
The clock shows 8 h 02 min
